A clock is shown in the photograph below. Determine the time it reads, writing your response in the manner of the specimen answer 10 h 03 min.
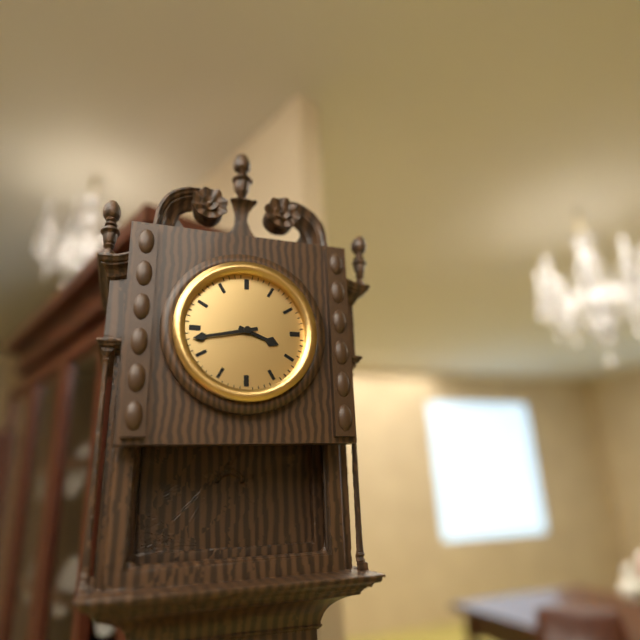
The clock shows 3 h 43 min
